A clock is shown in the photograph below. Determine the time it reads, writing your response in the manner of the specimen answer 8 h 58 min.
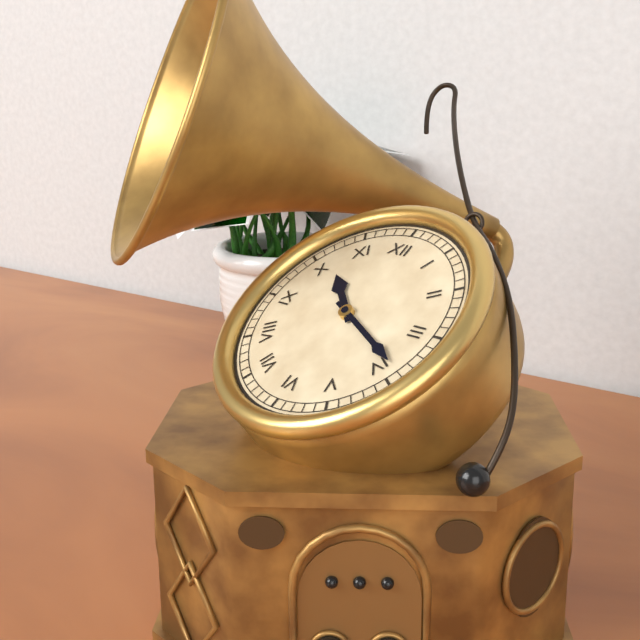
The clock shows 10 h 19 min
